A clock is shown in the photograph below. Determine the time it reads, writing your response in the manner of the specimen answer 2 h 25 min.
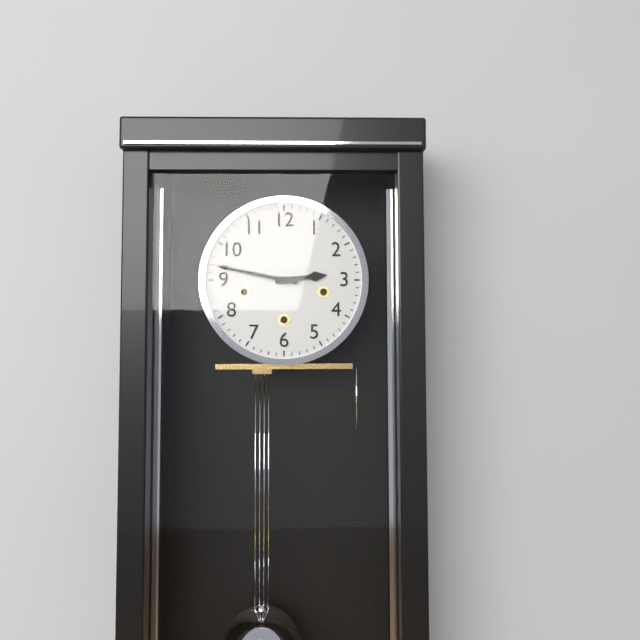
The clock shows 2 h 47 min
